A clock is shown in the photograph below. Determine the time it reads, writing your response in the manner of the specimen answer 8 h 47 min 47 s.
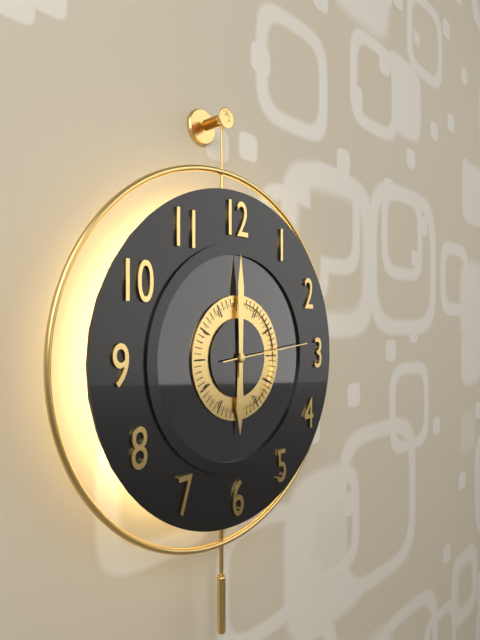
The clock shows 6 h 00 min 14 s
